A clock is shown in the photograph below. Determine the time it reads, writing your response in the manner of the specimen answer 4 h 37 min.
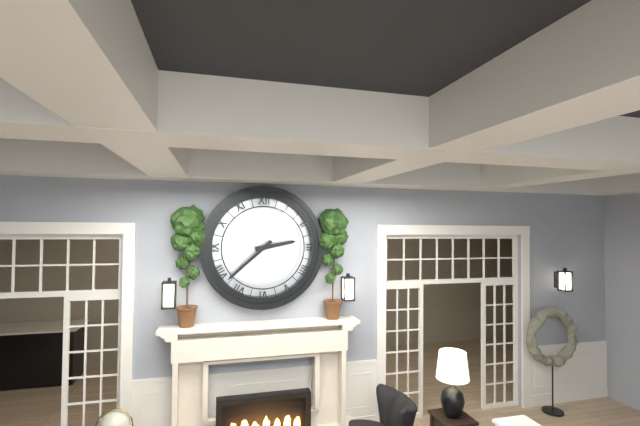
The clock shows 2 h 38 min
